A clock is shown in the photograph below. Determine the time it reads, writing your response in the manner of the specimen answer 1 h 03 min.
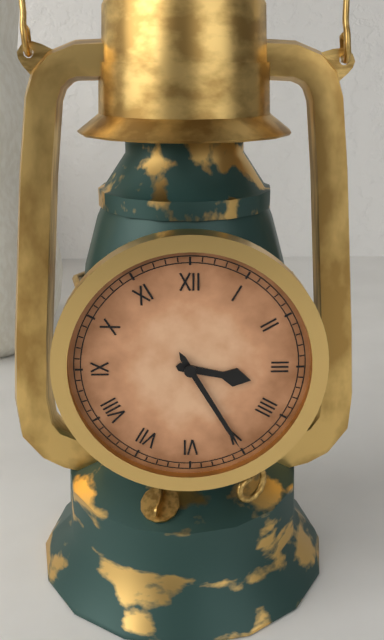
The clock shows 3 h 25 min
